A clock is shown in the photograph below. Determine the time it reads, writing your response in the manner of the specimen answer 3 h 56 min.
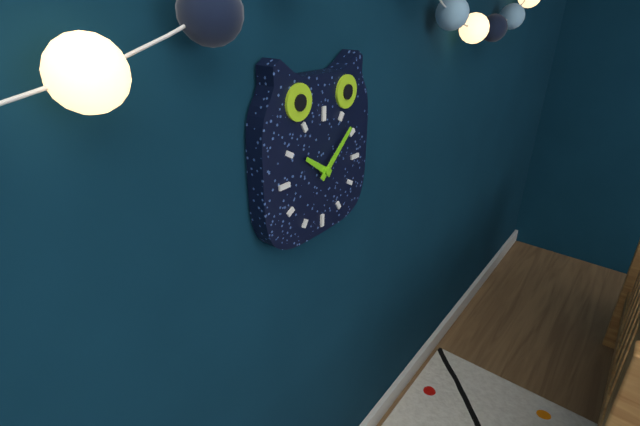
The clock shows 10 h 08 min
